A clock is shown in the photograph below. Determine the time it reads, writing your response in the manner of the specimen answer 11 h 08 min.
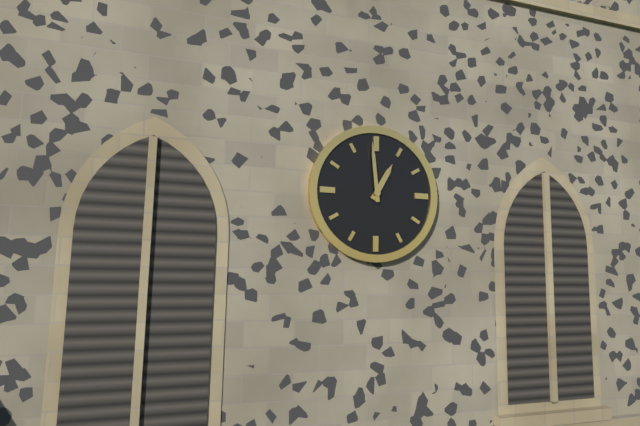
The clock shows 12 h 59 min
